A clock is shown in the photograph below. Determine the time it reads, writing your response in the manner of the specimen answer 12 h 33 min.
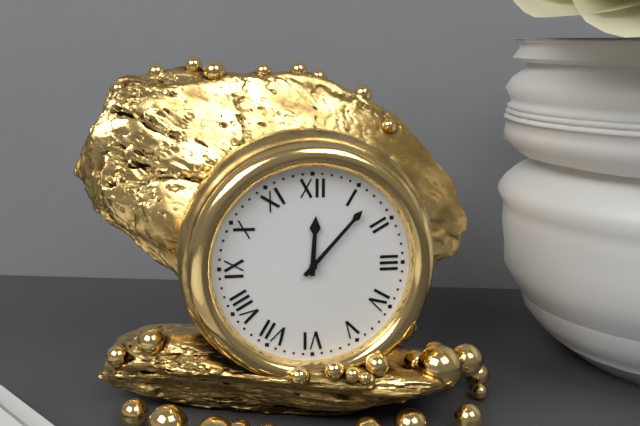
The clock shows 12 h 07 min
